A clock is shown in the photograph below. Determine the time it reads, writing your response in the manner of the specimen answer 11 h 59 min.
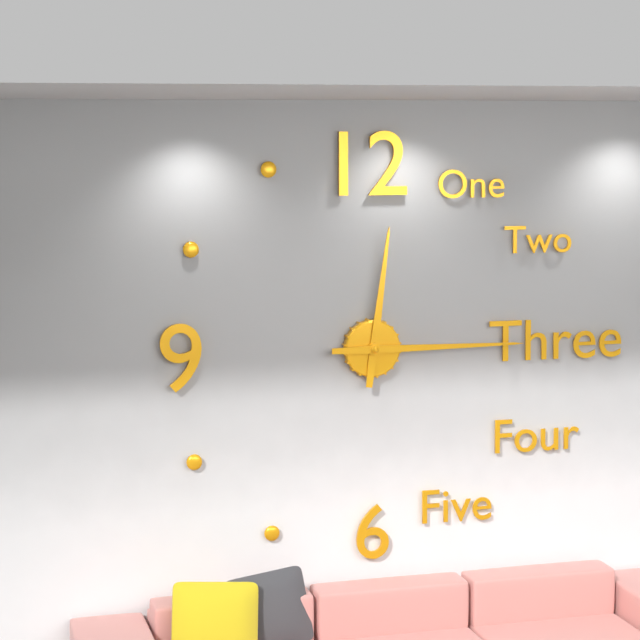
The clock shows 12 h 15 min
